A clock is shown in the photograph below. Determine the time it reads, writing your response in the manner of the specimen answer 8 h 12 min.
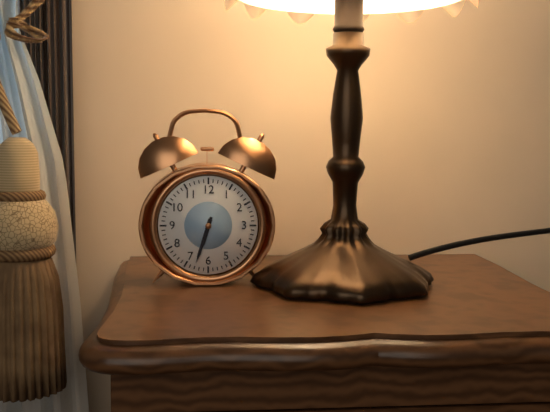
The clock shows 6 h 33 min
